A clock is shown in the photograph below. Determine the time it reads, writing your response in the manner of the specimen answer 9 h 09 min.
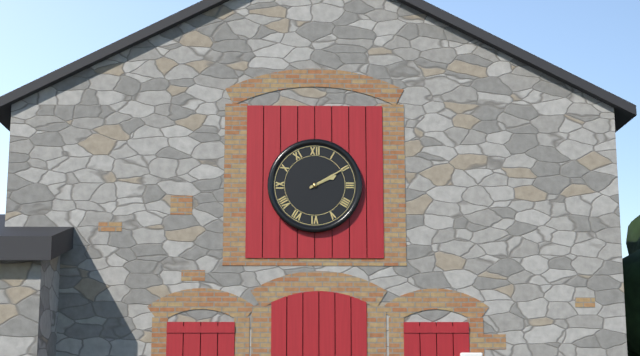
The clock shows 2 h 10 min
